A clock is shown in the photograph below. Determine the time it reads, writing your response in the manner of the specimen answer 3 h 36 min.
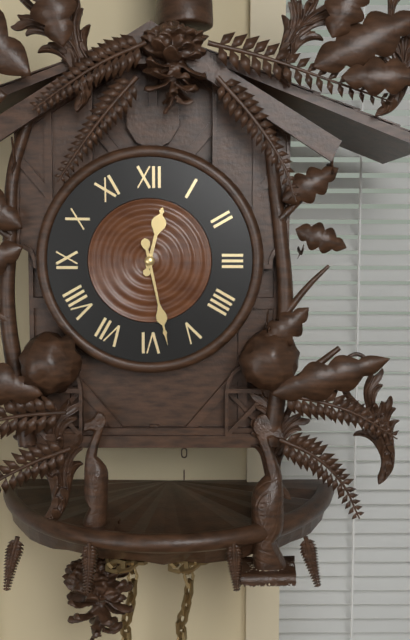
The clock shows 12 h 28 min
